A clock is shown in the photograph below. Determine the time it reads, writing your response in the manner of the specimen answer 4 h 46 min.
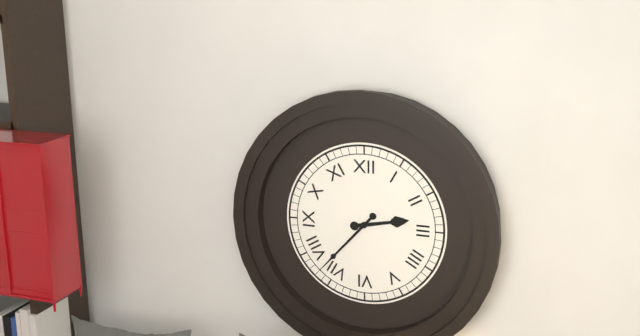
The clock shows 2 h 37 min
